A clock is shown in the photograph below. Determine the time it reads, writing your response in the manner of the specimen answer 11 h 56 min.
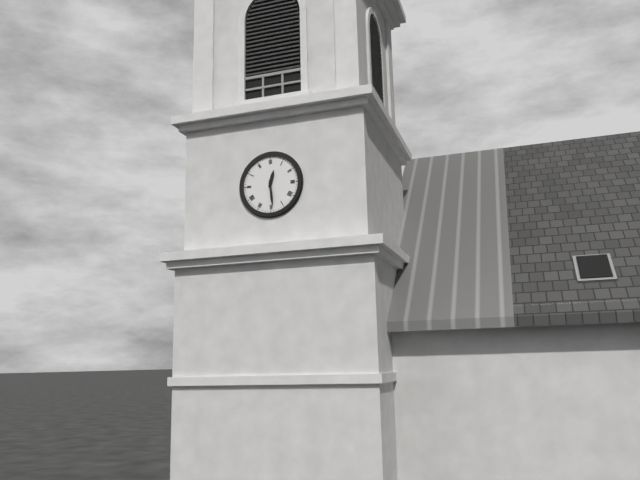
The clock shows 12 h 29 min
